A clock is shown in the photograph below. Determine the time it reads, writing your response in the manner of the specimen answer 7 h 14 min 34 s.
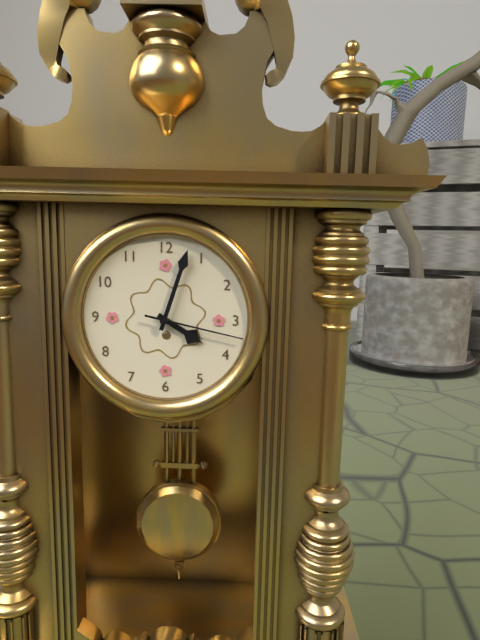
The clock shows 4 h 03 min 17 s
